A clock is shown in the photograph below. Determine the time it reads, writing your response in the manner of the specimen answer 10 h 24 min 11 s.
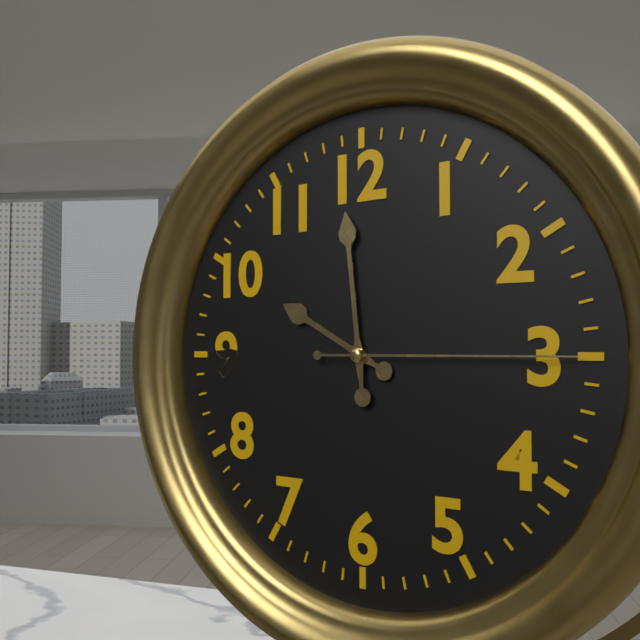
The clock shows 9 h 59 min 15 s
